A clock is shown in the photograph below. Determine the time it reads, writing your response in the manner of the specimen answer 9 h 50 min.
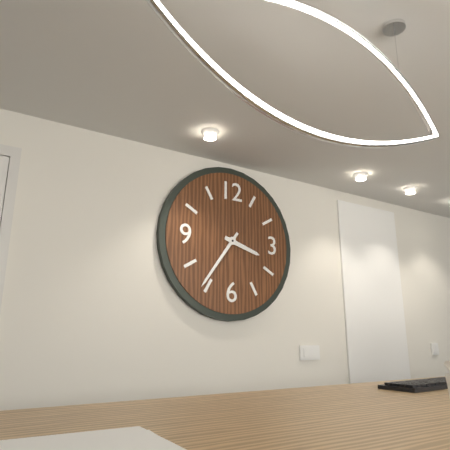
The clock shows 3 h 36 min
